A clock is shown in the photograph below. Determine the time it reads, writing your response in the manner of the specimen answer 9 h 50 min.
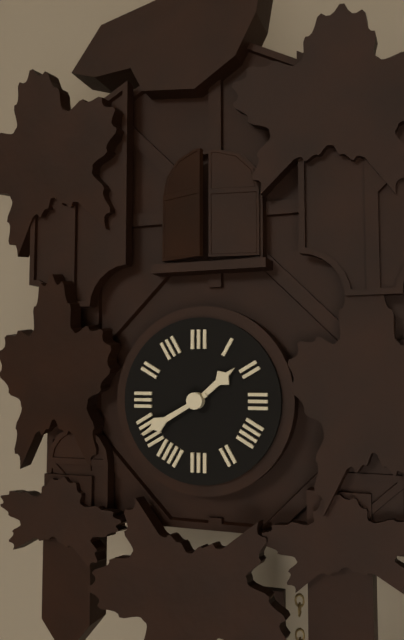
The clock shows 1 h 40 min
